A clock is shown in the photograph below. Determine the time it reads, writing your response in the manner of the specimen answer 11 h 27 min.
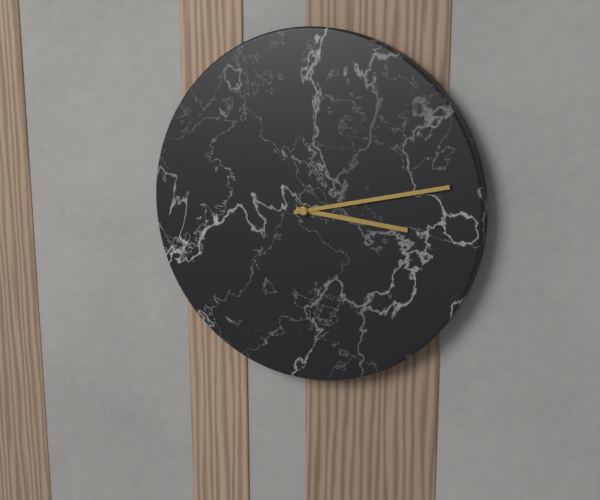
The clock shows 3 h 13 min
